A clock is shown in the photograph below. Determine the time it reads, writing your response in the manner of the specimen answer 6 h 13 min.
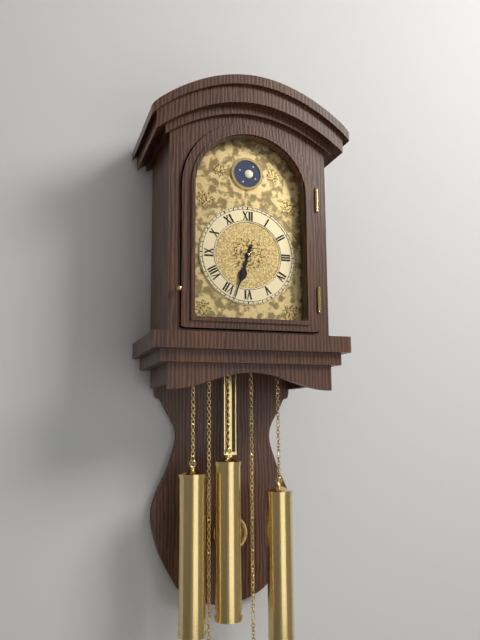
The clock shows 6 h 33 min
